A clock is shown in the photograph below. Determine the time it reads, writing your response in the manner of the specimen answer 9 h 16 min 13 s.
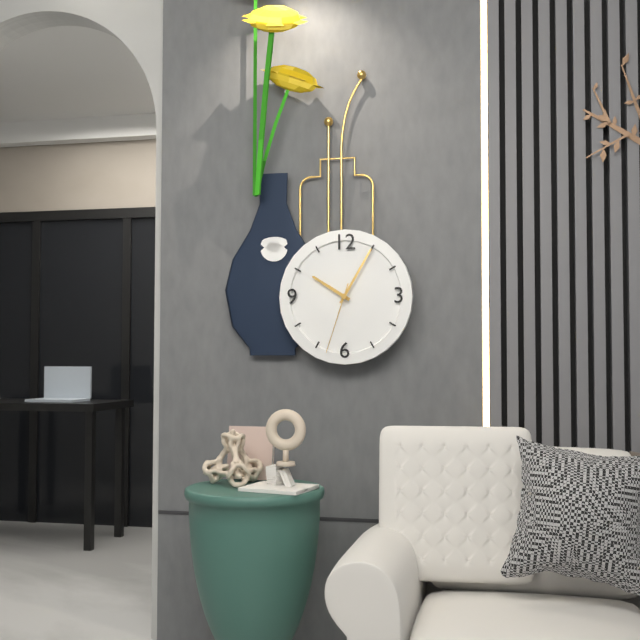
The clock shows 10 h 05 min 33 s
